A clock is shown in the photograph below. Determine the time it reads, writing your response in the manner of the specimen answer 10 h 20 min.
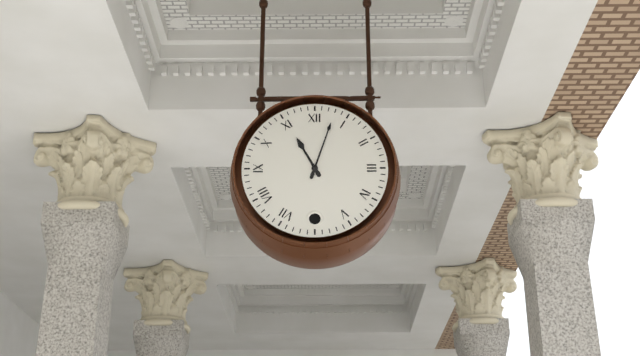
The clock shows 11 h 03 min
